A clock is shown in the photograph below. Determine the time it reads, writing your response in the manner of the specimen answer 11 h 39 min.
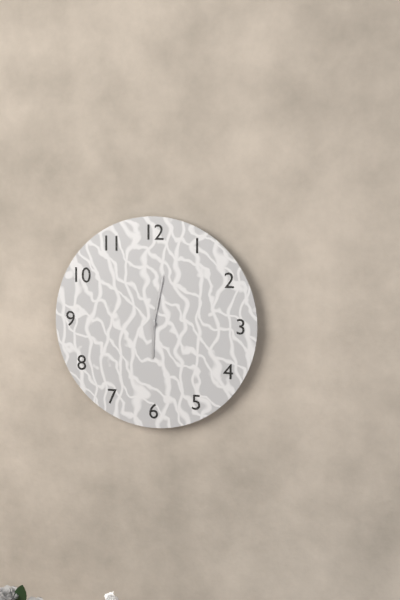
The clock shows 6 h 02 min
